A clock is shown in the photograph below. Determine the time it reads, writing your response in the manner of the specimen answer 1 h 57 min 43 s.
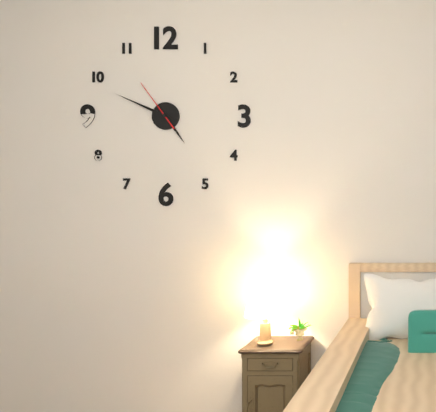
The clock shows 4 h 49 min 54 s
